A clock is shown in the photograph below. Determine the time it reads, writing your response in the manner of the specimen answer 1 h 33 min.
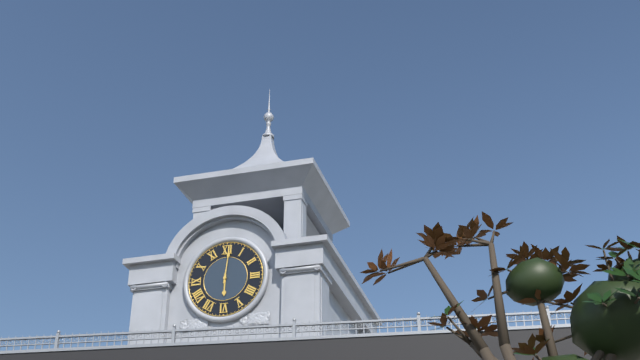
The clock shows 6 h 01 min
